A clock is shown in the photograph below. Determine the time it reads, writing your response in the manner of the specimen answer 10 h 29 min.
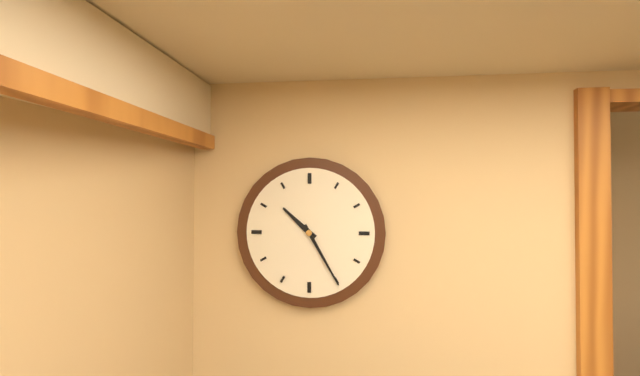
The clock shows 10 h 25 min
